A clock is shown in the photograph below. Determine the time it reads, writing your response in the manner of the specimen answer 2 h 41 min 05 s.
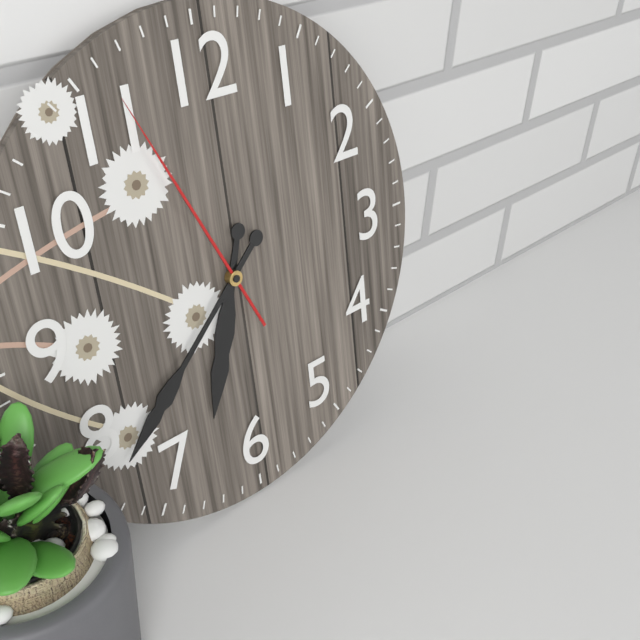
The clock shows 6 h 38 min 56 s
